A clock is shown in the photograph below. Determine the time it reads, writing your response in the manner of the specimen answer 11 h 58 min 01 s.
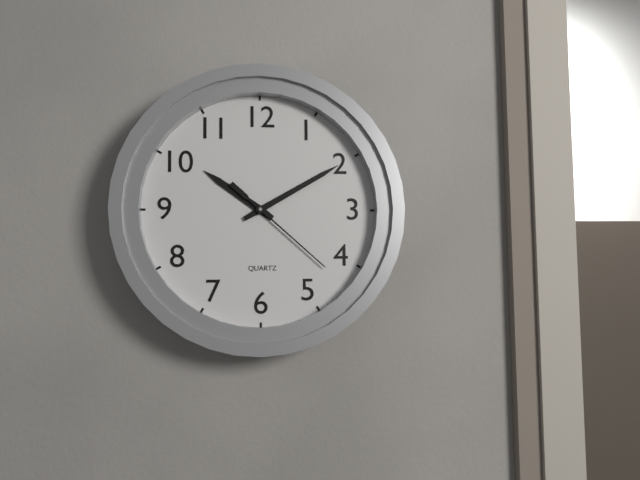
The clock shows 10 h 10 min 22 s
